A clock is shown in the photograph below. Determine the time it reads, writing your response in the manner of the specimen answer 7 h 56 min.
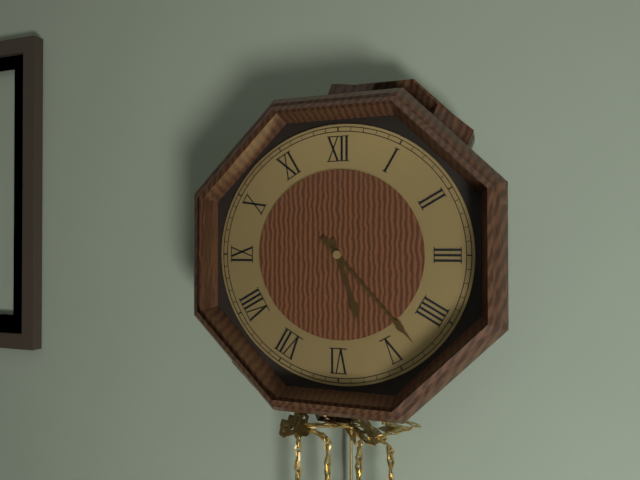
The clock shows 5 h 23 min
